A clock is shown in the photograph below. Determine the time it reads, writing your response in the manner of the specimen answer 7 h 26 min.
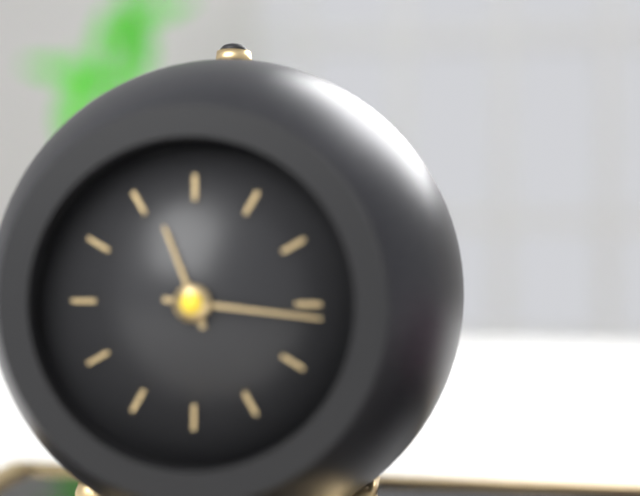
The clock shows 11 h 16 min
